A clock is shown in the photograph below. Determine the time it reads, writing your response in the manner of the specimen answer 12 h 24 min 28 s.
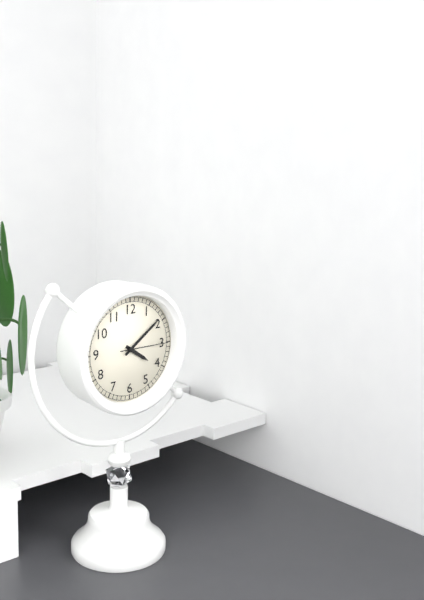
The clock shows 4 h 09 min 15 s
